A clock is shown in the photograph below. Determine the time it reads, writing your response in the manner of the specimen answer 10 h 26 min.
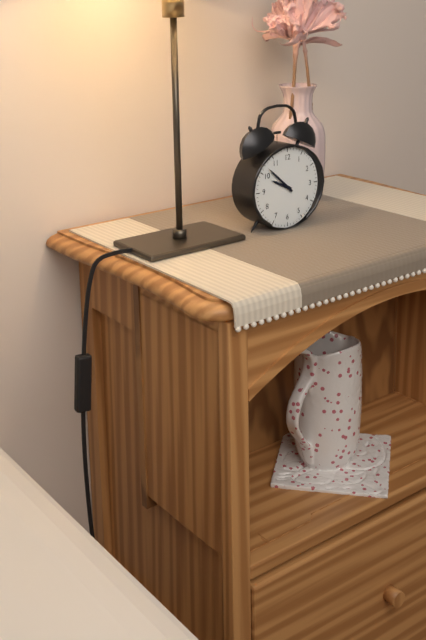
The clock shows 9 h 52 min
